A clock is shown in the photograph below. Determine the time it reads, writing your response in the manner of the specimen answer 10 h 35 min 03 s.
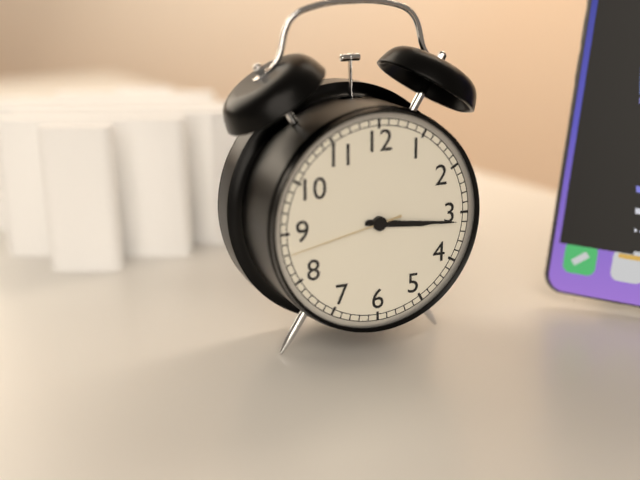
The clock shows 3 h 16 min 43 s
